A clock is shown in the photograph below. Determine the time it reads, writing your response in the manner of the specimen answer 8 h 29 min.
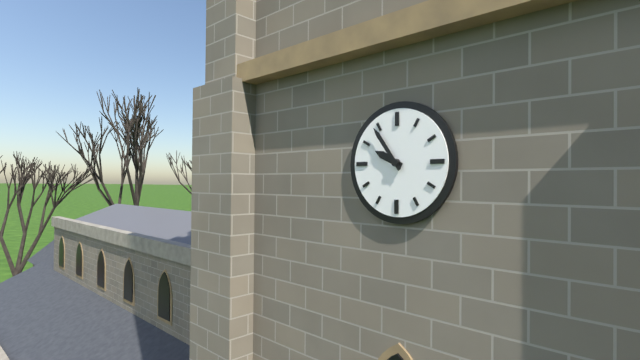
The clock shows 9 h 54 min
